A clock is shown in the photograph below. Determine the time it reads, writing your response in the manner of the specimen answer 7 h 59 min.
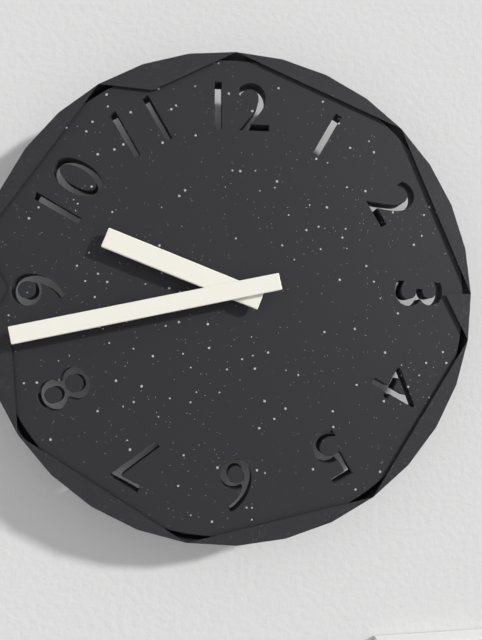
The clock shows 9 h 43 min
